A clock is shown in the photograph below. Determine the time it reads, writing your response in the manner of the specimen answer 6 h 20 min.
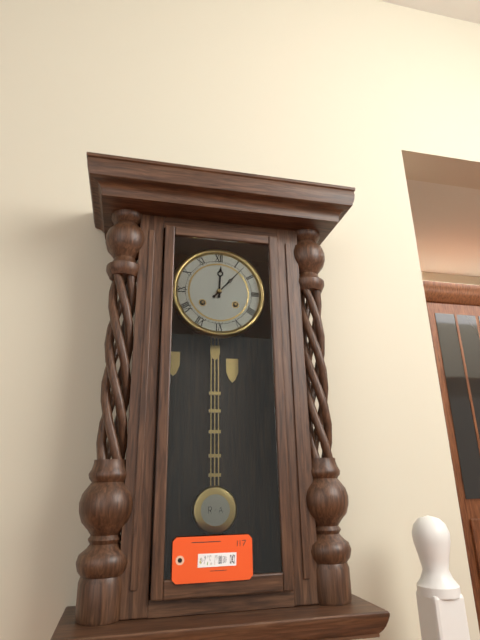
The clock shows 12 h 07 min
